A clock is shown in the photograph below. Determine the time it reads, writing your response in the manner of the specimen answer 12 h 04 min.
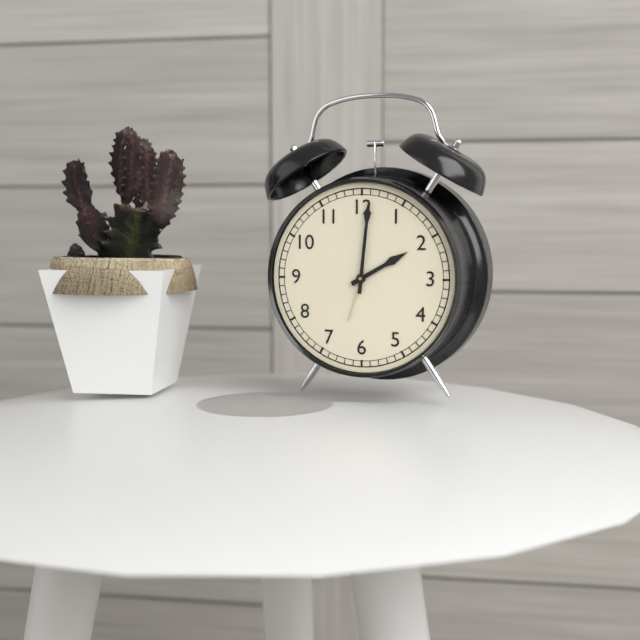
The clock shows 2 h 01 min
